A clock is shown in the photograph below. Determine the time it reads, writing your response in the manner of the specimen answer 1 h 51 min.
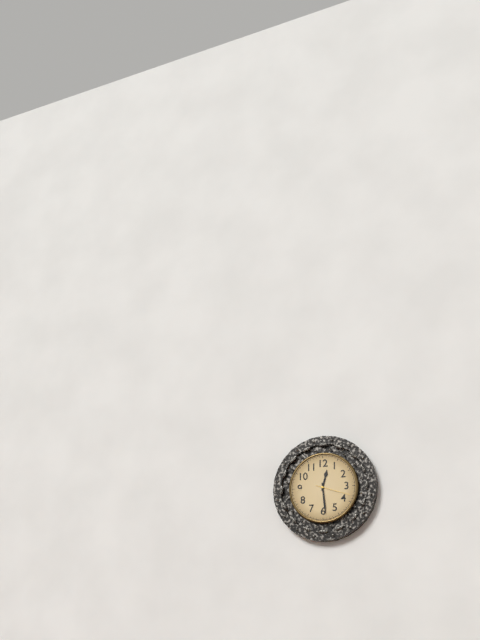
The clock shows 12 h 29 min
